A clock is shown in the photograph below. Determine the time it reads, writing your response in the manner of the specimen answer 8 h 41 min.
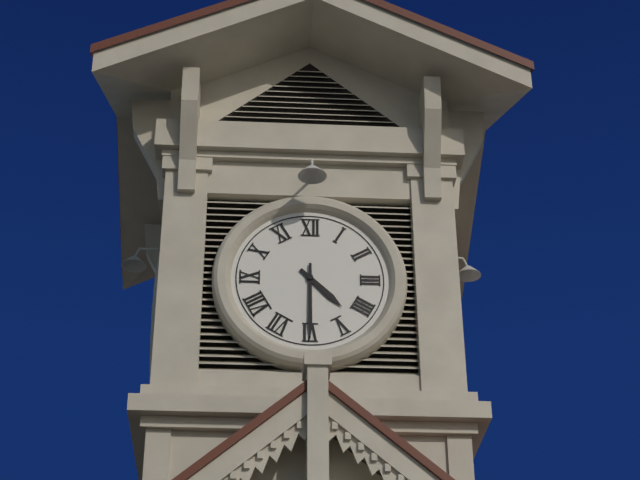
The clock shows 4 h 30 min
